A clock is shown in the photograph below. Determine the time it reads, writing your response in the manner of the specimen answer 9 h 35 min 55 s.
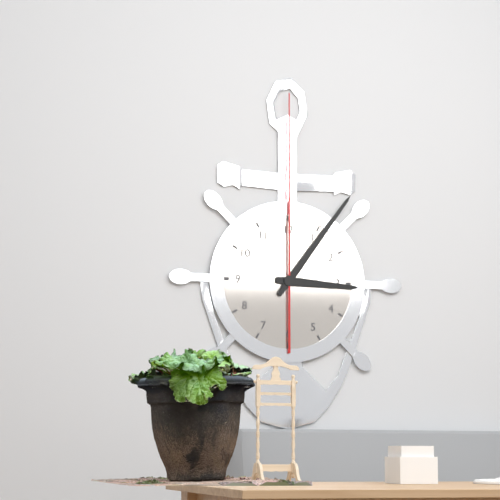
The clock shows 3 h 06 min 00 s
